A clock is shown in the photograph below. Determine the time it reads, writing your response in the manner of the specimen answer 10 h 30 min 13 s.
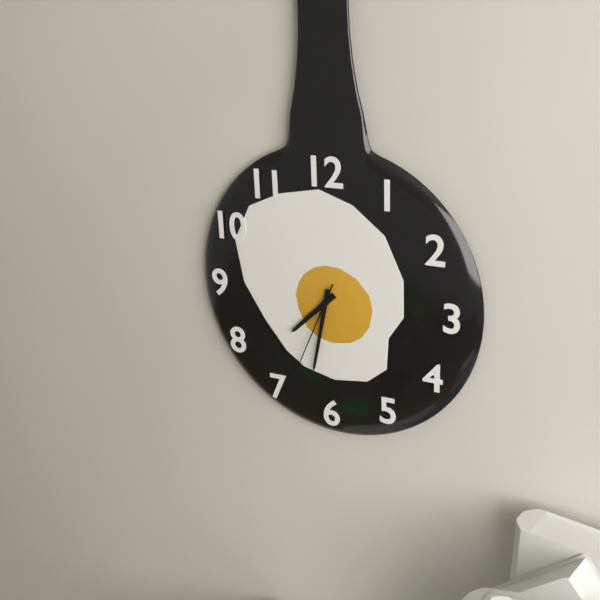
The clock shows 7 h 32 min 34 s
